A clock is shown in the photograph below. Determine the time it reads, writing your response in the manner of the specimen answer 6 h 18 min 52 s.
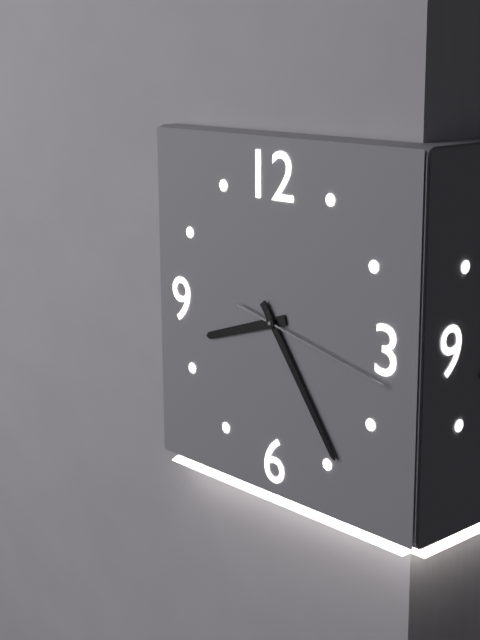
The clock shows 8 h 24 min 17 s
